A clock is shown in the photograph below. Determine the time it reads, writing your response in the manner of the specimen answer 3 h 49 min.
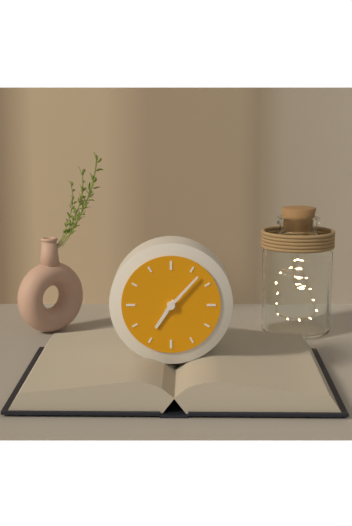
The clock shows 7 h 07 min
